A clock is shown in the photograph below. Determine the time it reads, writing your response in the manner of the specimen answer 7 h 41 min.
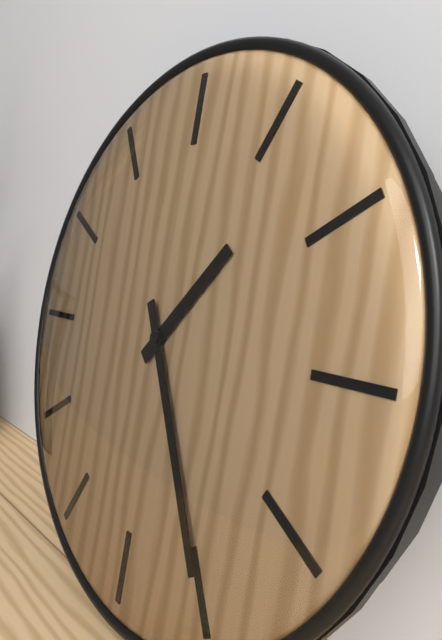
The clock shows 1 h 25 min
